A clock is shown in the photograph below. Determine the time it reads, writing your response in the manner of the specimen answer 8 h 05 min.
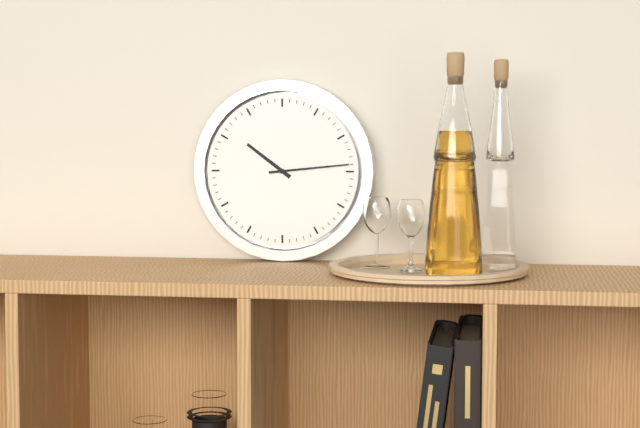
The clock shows 10 h 14 min
